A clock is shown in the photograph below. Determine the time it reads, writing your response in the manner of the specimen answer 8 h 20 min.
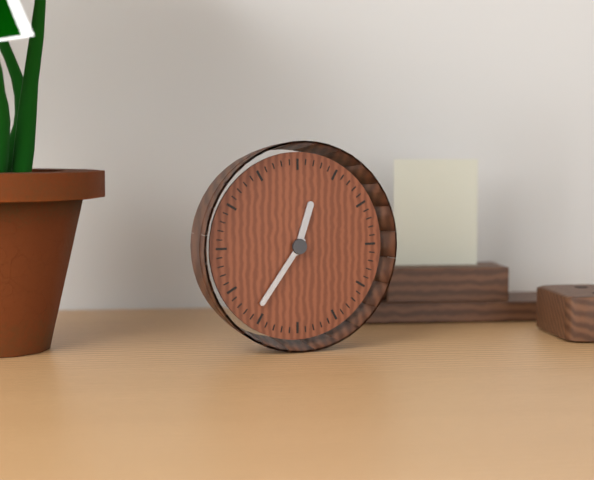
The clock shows 12 h 36 min
